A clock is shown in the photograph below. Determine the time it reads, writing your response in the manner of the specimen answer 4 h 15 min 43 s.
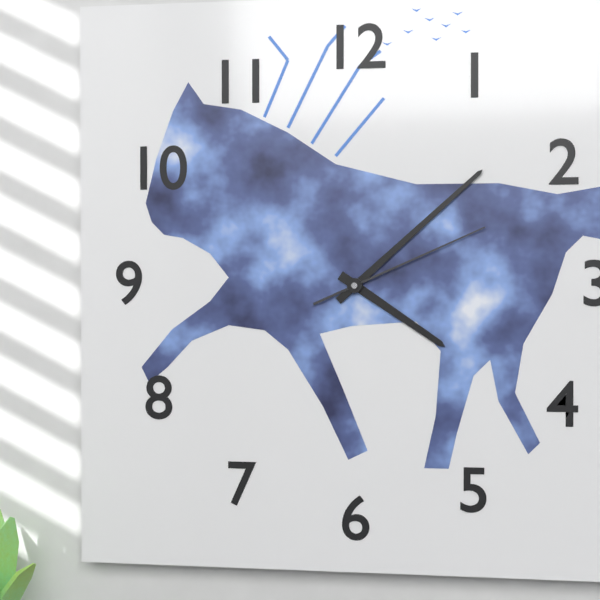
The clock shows 4 h 08 min 11 s
